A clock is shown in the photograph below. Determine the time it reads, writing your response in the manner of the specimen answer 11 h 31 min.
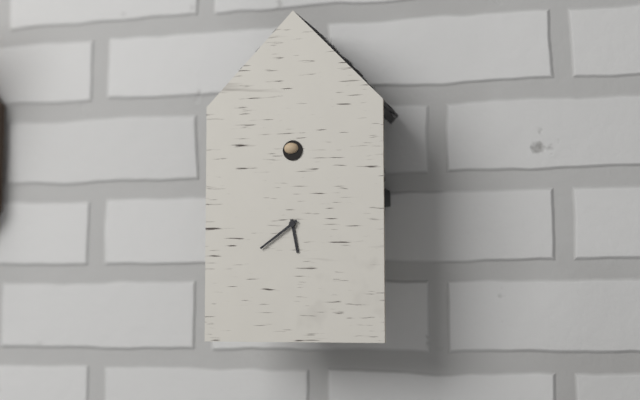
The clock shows 5 h 39 min
